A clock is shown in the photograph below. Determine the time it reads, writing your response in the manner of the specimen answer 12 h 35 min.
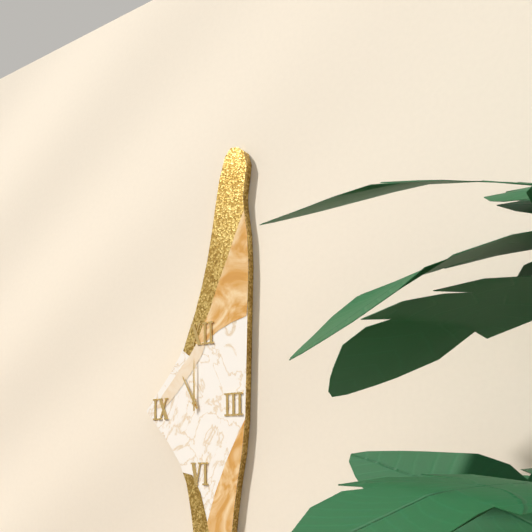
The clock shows 11 h 00 min
